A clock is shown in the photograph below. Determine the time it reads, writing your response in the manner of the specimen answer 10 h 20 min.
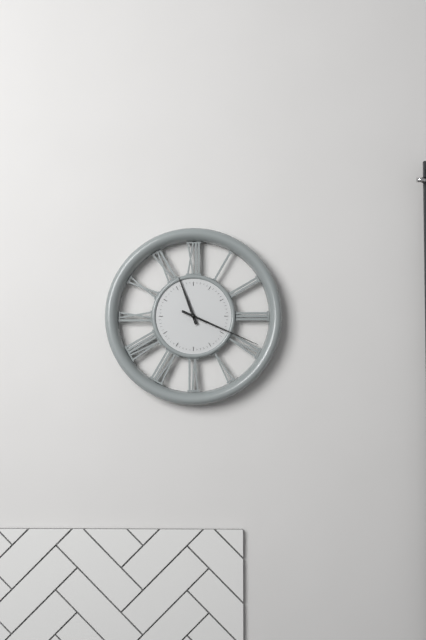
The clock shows 11 h 19 min
